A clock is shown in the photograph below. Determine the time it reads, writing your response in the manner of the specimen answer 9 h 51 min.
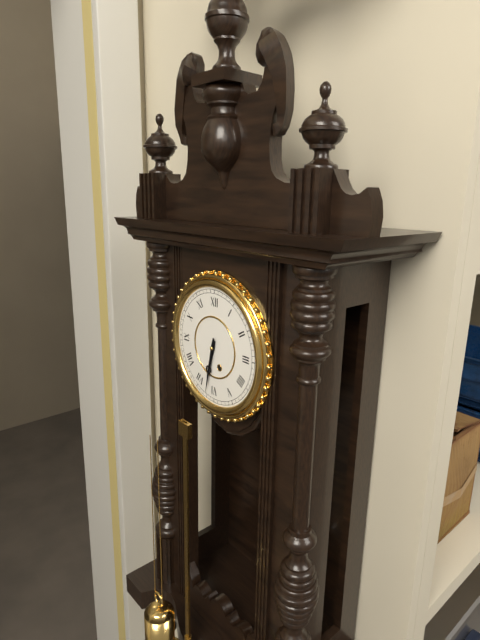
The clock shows 6 h 32 min
